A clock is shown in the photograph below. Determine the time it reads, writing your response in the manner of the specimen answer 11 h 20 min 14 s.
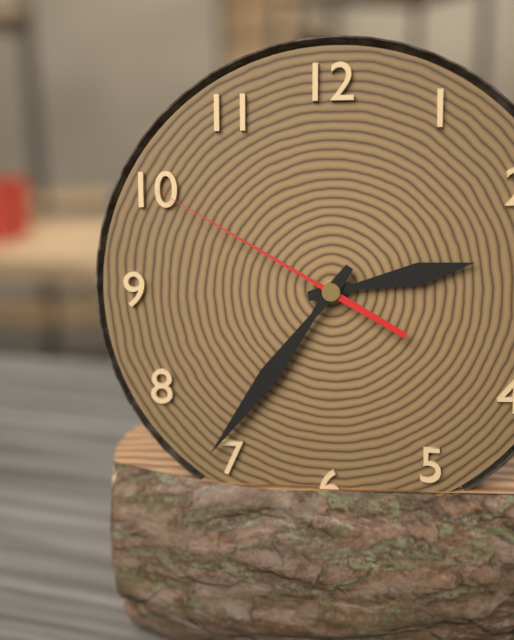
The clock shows 2 h 36 min 50 s
